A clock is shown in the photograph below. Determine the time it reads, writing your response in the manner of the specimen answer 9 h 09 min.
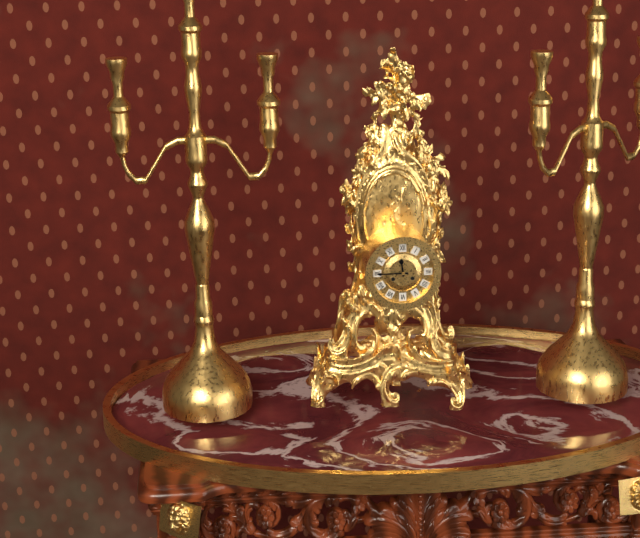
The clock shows 11 h 45 min
